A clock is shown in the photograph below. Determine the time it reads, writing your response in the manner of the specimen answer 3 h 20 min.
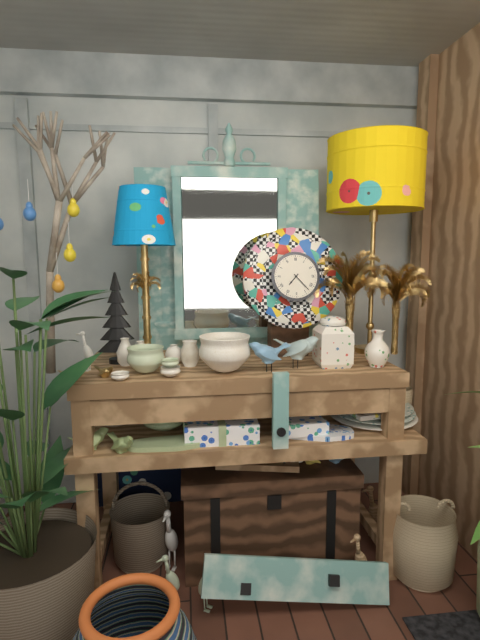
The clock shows 7 h 23 min
